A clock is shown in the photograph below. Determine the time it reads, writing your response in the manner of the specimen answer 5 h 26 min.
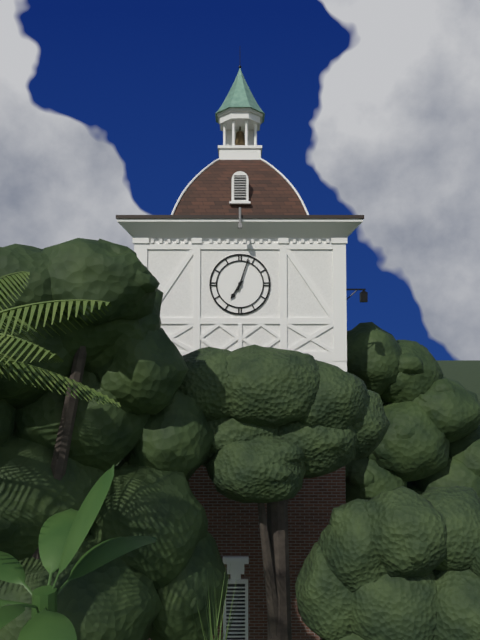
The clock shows 7 h 03 min
